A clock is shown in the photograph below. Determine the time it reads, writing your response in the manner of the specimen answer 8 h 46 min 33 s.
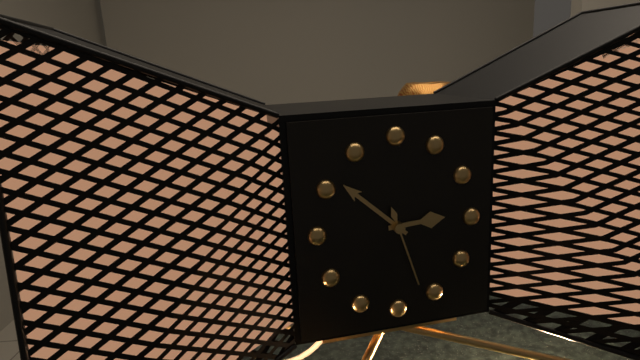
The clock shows 2 h 52 min 27 s
